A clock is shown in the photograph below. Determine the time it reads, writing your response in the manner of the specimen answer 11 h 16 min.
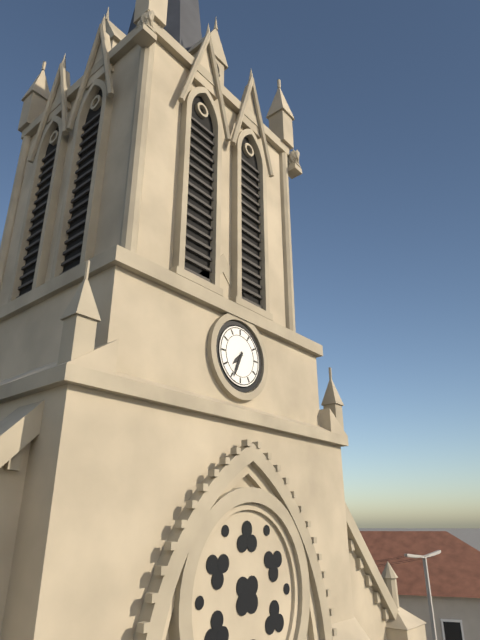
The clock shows 7 h 34 min
